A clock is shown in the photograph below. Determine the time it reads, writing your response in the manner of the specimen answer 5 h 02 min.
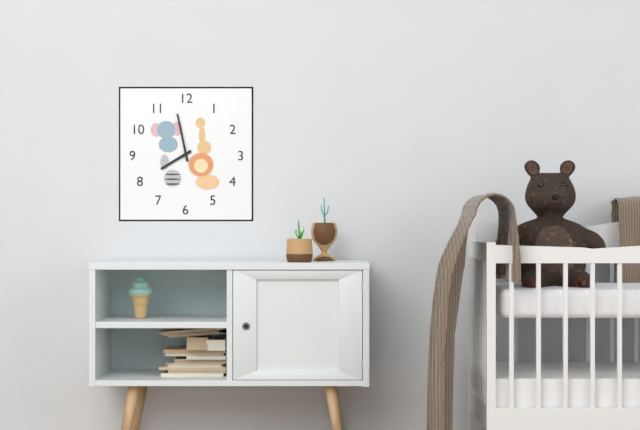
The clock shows 7 h 58 min
